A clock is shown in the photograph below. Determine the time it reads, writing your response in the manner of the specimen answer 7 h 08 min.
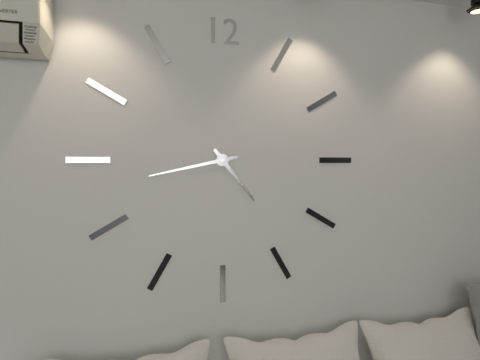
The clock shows 4 h 43 min
